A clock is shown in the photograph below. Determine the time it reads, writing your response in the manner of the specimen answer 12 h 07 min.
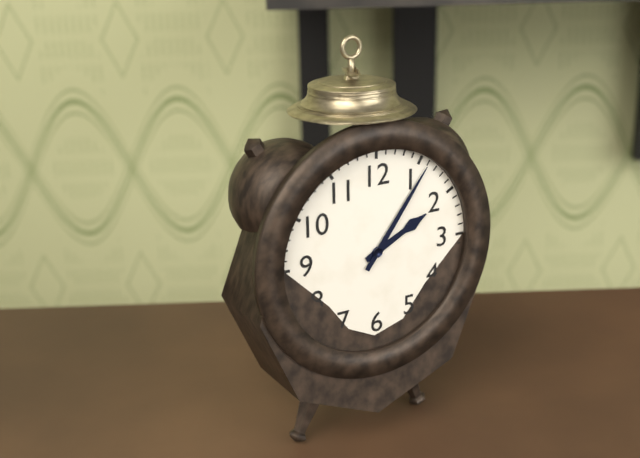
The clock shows 2 h 06 min
